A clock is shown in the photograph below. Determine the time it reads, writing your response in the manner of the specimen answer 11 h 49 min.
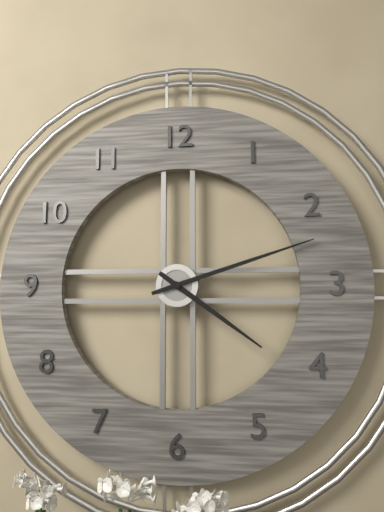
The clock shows 4 h 12 min
